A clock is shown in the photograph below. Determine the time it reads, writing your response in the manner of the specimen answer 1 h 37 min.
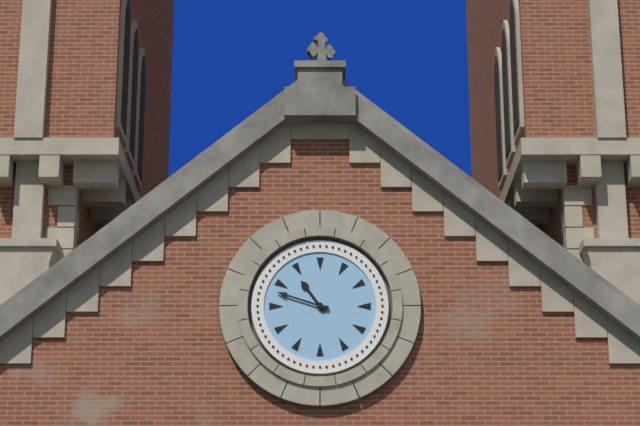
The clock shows 10 h 48 min
